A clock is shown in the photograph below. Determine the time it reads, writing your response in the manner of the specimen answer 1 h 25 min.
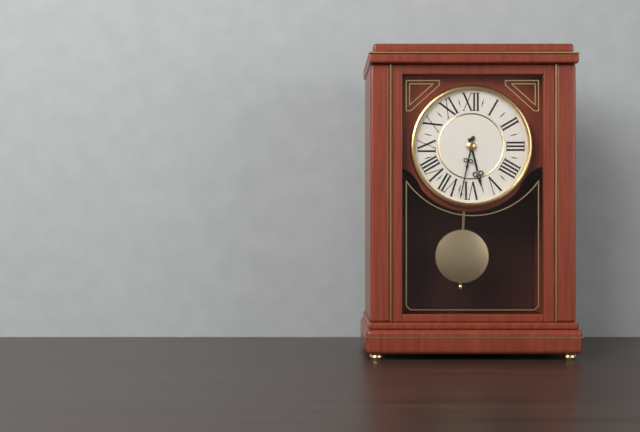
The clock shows 5 h 32 min
